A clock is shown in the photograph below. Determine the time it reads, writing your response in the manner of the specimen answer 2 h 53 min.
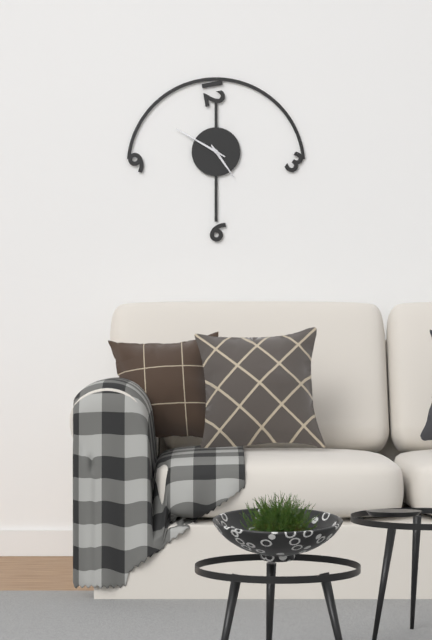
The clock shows 4 h 50 min
